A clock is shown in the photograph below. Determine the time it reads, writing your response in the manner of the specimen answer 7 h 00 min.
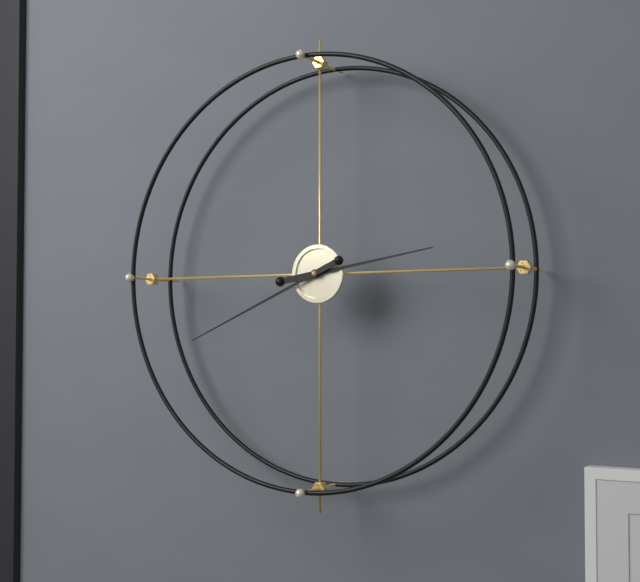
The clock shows 2 h 41 min
